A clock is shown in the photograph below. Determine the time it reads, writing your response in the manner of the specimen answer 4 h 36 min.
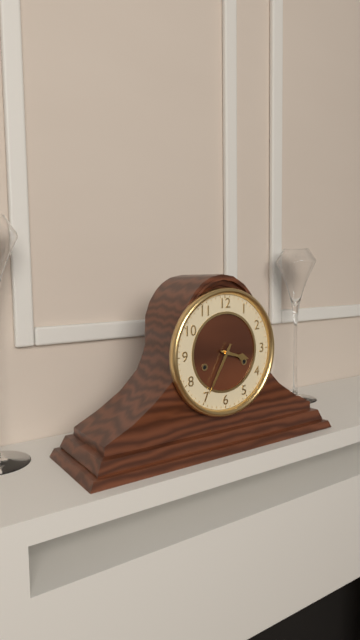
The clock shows 3 h 35 min
